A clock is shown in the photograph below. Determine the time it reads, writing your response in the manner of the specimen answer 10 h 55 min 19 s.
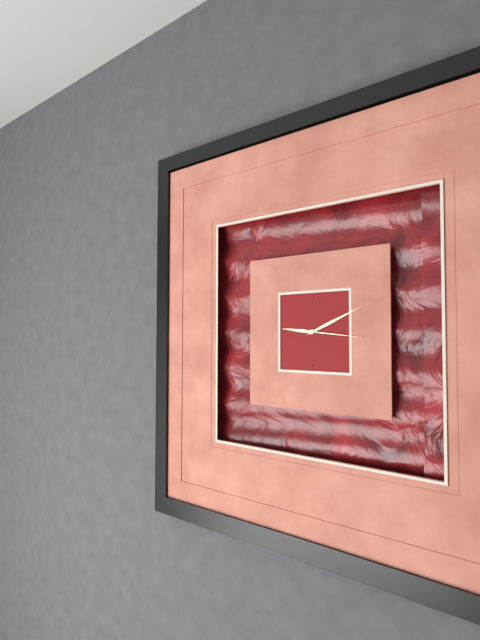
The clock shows 9 h 11 min 16 s
